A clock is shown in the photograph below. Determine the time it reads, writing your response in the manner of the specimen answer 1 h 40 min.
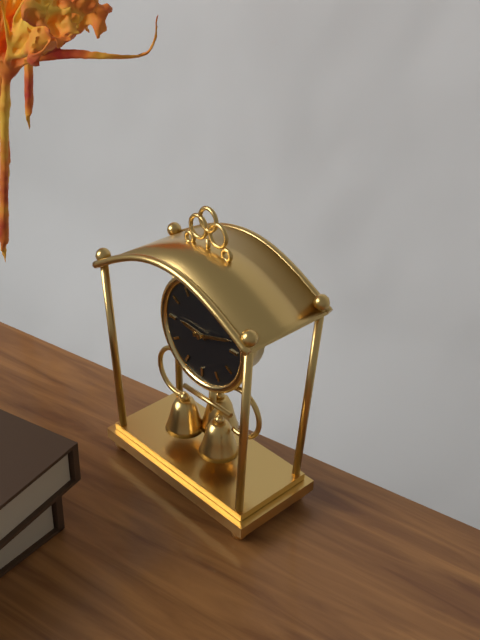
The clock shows 9 h 12 min
